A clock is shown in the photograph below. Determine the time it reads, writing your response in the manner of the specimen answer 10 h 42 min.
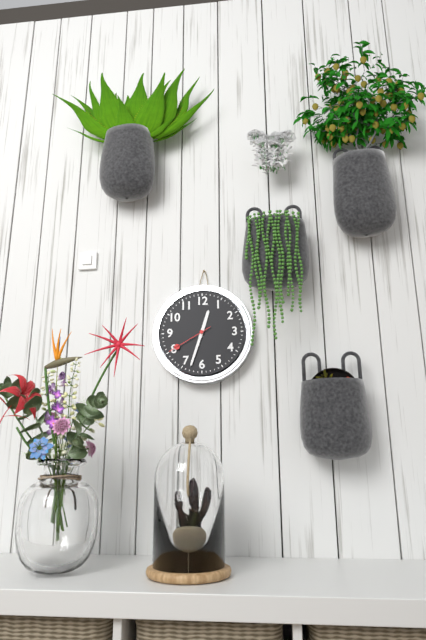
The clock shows 12 h 33 min
